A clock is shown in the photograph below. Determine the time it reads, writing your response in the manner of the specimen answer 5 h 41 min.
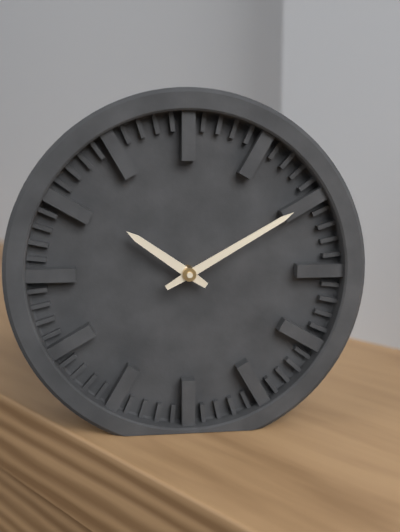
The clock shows 10 h 10 min
